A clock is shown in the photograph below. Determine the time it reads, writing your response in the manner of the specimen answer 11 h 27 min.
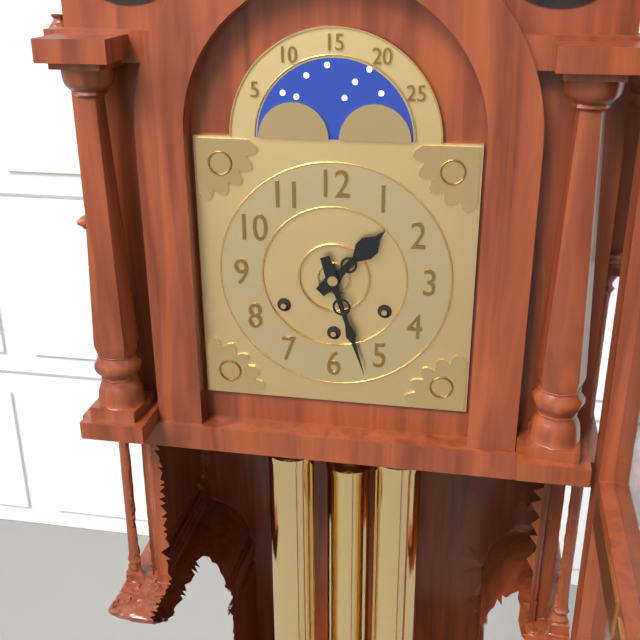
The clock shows 1 h 27 min
